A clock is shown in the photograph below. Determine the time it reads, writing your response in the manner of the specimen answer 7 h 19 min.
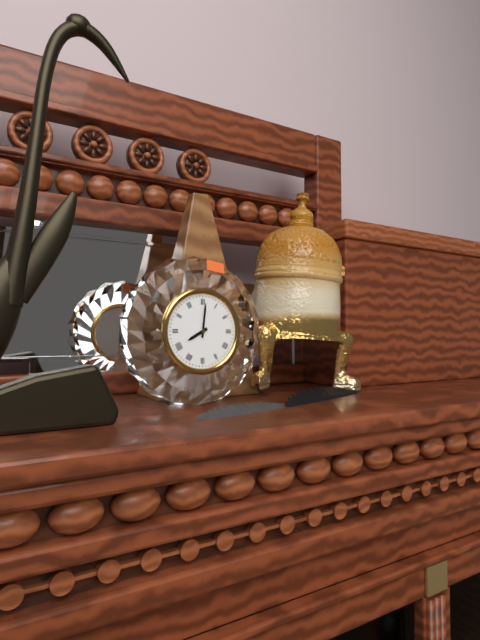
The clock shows 8 h 01 min
